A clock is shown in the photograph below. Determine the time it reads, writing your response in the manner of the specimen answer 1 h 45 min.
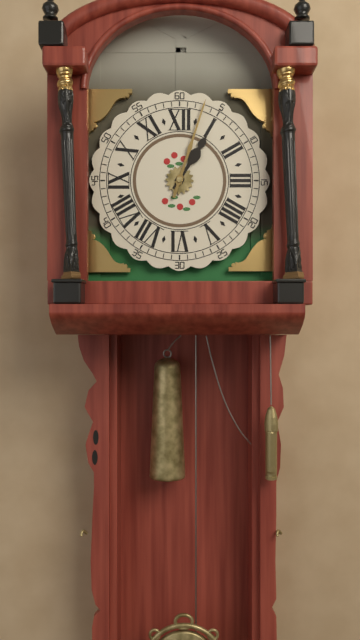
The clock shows 1 h 03 min
